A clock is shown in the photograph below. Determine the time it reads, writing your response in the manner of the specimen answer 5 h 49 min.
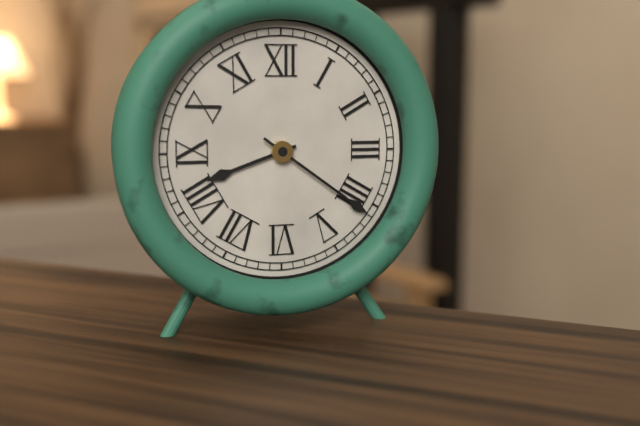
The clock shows 8 h 21 min
